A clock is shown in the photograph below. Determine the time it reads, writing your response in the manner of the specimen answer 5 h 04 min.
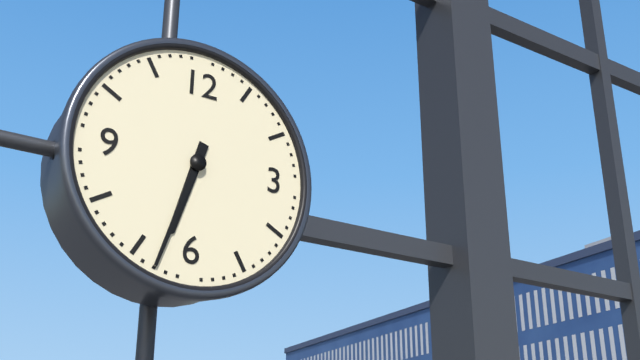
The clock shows 6 h 33 min
